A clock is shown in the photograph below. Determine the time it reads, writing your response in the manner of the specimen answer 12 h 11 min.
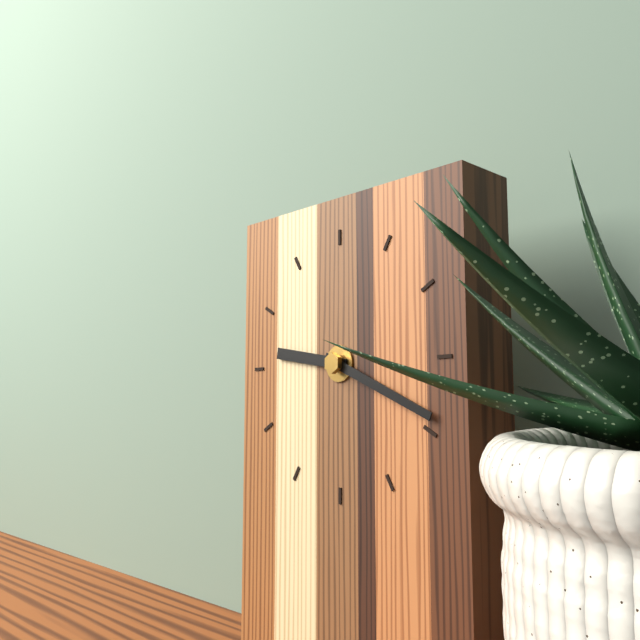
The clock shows 9 h 19 min
